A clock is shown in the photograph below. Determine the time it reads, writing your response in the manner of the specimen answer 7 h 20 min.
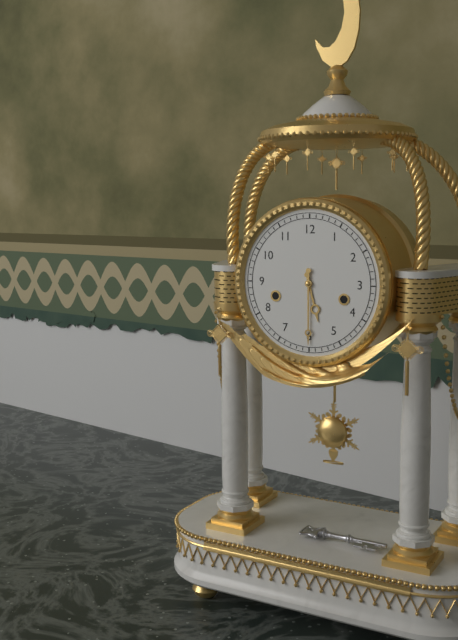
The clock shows 5 h 30 min
